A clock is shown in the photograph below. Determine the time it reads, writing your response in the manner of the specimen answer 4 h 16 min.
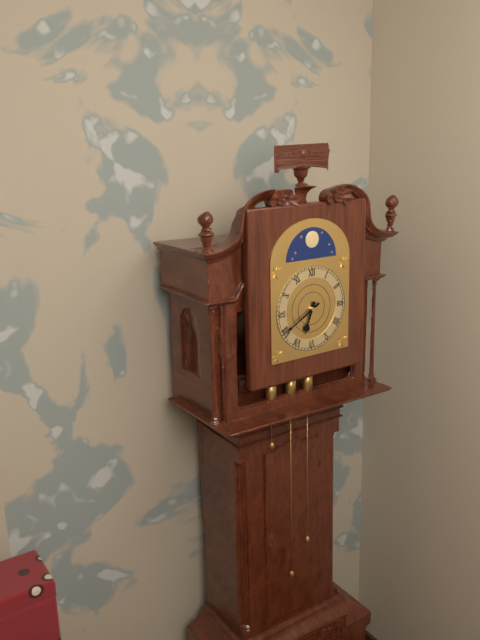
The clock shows 6 h 40 min
